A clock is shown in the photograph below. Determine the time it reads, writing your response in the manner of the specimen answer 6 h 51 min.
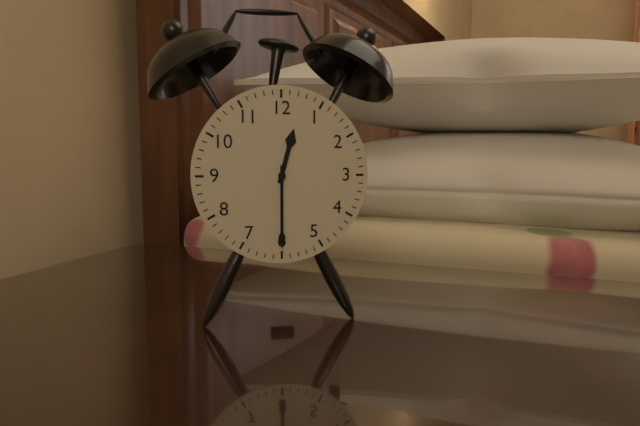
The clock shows 12 h 30 min
